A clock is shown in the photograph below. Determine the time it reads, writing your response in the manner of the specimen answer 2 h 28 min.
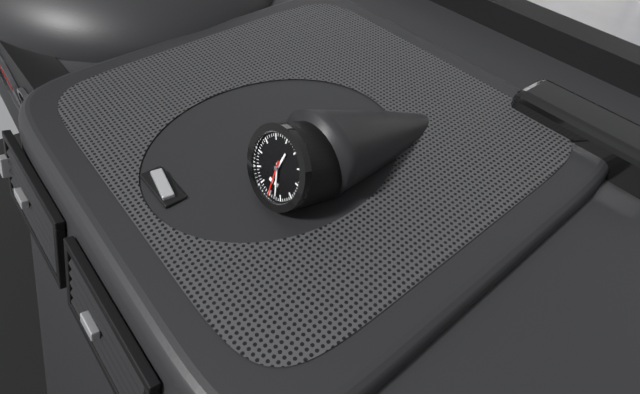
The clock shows 12 h 27 min
